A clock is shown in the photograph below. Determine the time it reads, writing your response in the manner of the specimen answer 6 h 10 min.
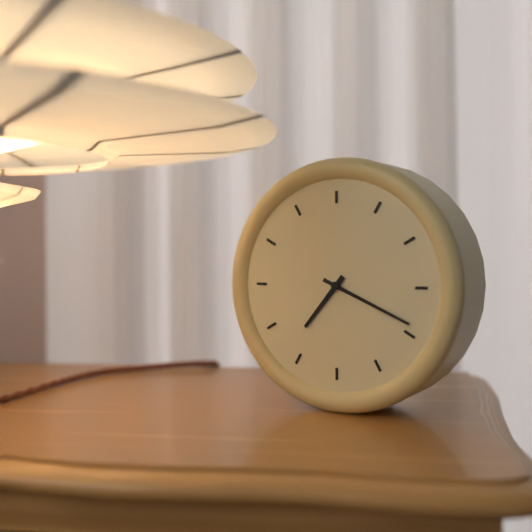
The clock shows 7 h 19 min
